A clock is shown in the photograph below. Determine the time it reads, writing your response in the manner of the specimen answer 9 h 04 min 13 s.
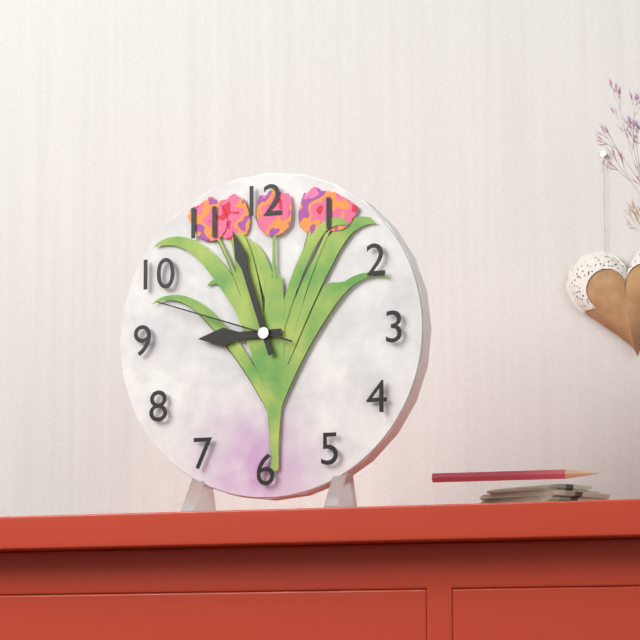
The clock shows 8 h 57 min 48 s
